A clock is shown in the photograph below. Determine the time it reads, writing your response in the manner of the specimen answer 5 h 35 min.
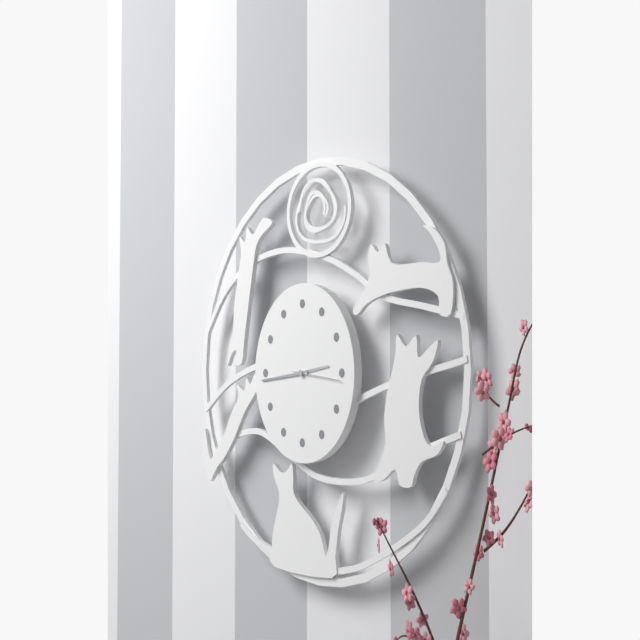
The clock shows 2 h 44 min
